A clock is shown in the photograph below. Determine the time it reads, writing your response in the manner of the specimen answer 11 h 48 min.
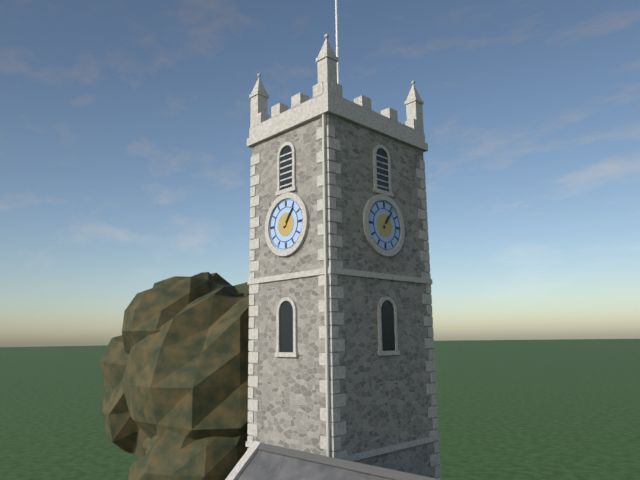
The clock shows 1 h 06 min
